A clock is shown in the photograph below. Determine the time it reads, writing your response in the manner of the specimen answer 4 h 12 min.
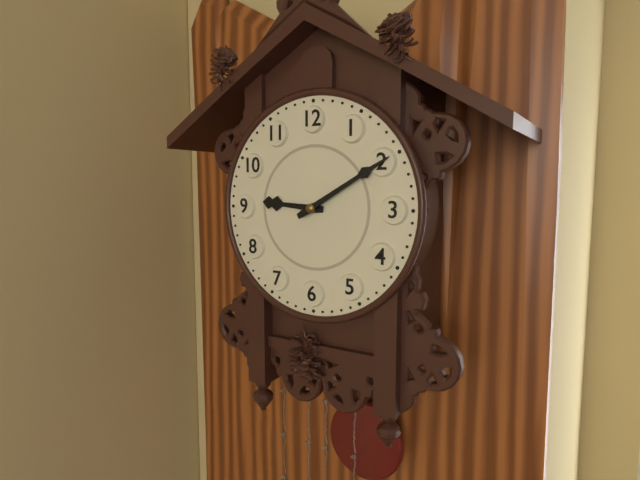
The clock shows 9 h 10 min
